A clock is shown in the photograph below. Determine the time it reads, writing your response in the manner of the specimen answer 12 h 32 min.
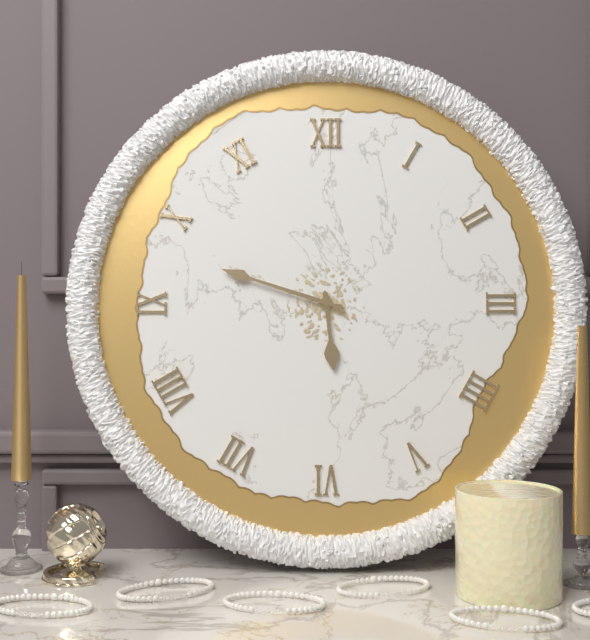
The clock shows 5 h 48 min
